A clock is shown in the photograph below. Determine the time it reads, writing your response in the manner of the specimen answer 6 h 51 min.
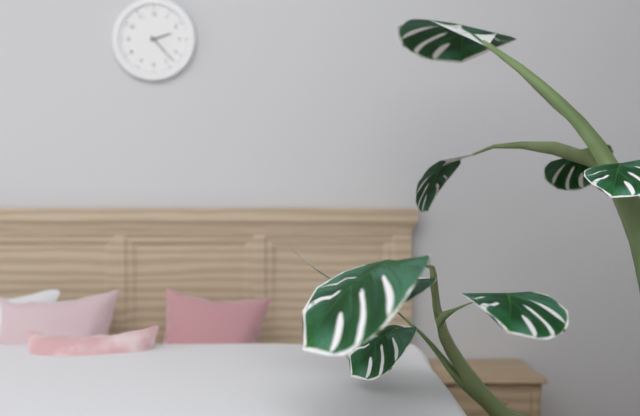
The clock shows 2 h 23 min
